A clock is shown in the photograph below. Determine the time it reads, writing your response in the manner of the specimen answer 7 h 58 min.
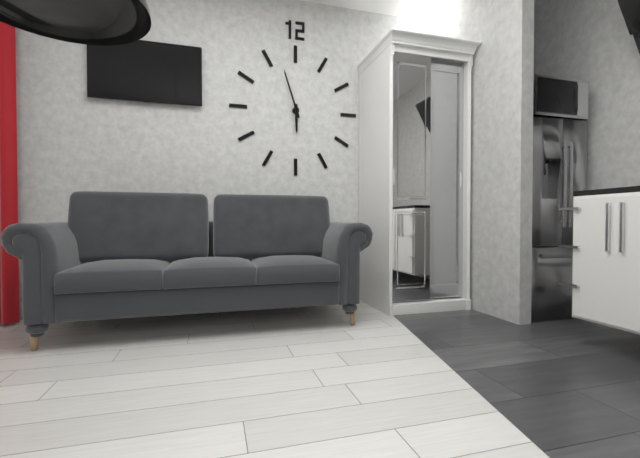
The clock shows 5 h 57 min
